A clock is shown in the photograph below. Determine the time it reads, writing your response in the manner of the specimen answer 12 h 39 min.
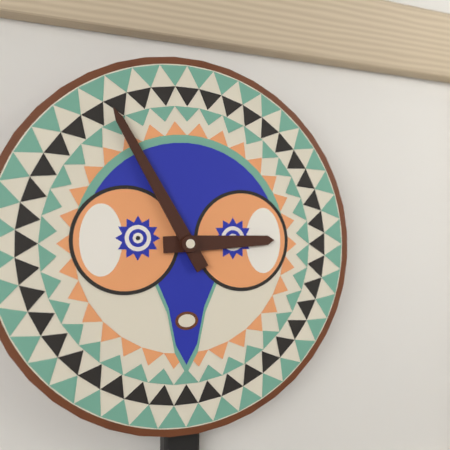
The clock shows 2 h 55 min
